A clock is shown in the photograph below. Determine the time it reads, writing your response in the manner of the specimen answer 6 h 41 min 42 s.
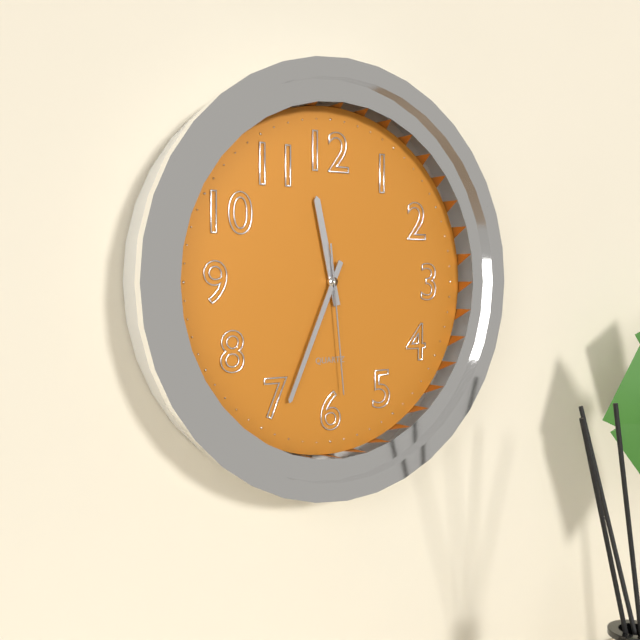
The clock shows 11 h 34 min 29 s
